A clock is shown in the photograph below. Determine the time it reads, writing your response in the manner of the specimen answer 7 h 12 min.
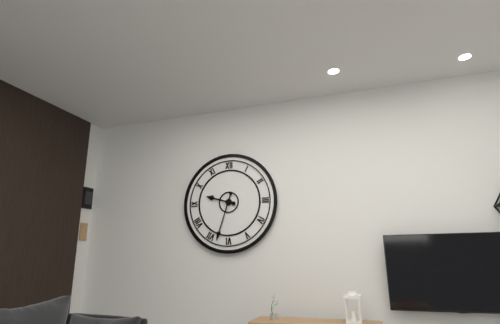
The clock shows 9 h 33 min
